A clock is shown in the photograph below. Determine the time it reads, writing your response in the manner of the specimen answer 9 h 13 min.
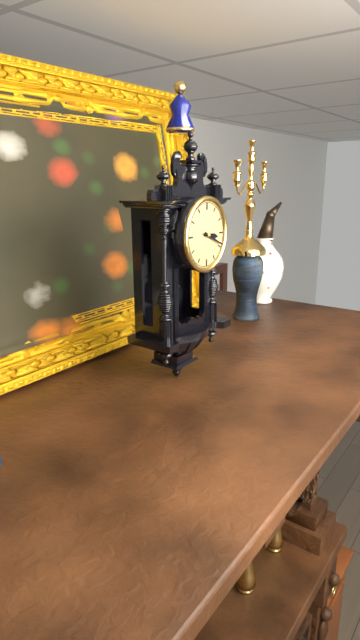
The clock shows 3 h 19 min
